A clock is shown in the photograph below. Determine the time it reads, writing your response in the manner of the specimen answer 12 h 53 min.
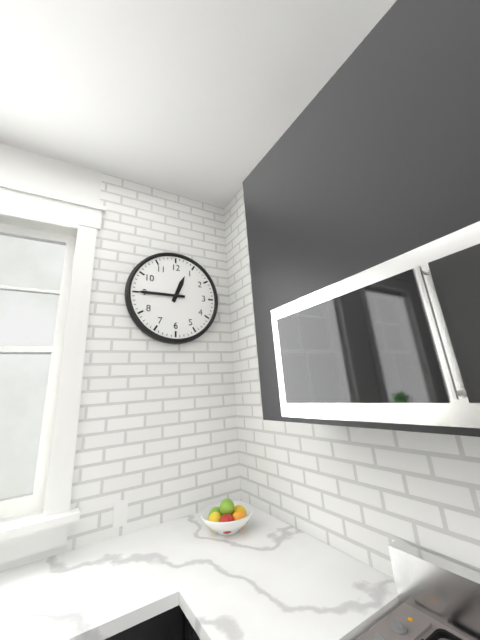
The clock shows 12 h 45 min
